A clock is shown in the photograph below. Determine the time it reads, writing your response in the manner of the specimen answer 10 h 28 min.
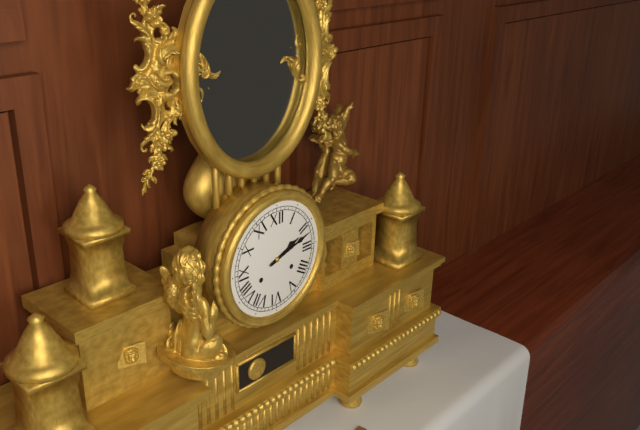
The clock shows 2 h 12 min
